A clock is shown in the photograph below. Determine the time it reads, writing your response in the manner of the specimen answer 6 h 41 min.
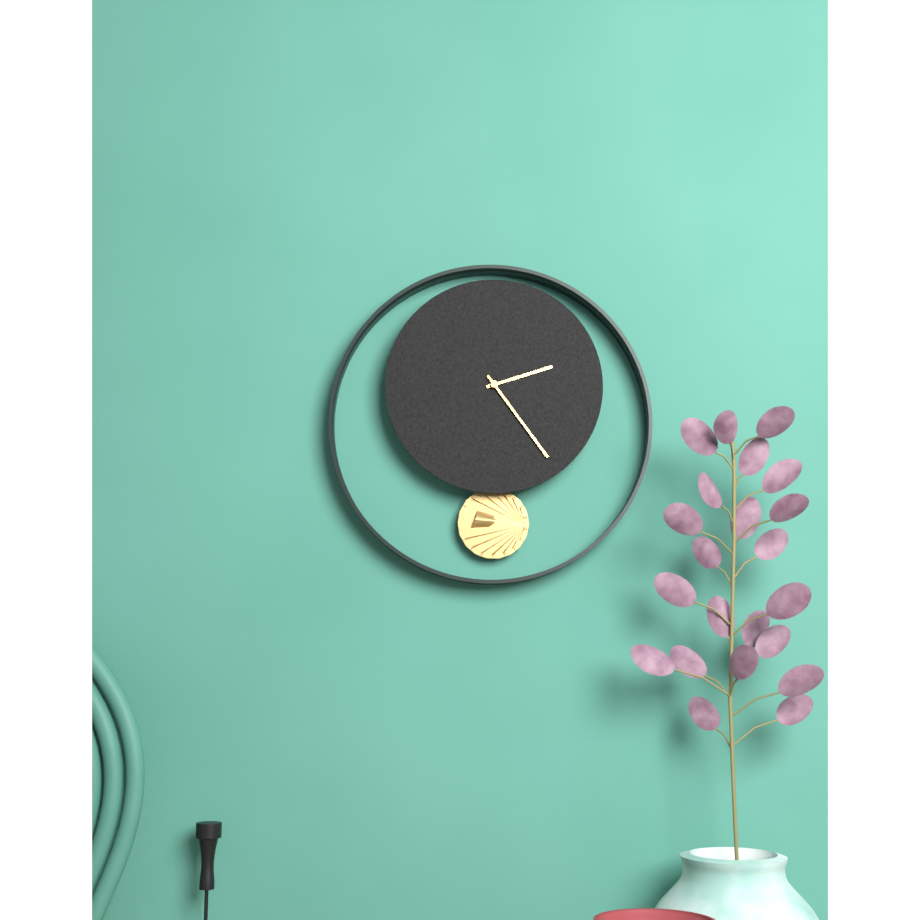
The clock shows 2 h 24 min
